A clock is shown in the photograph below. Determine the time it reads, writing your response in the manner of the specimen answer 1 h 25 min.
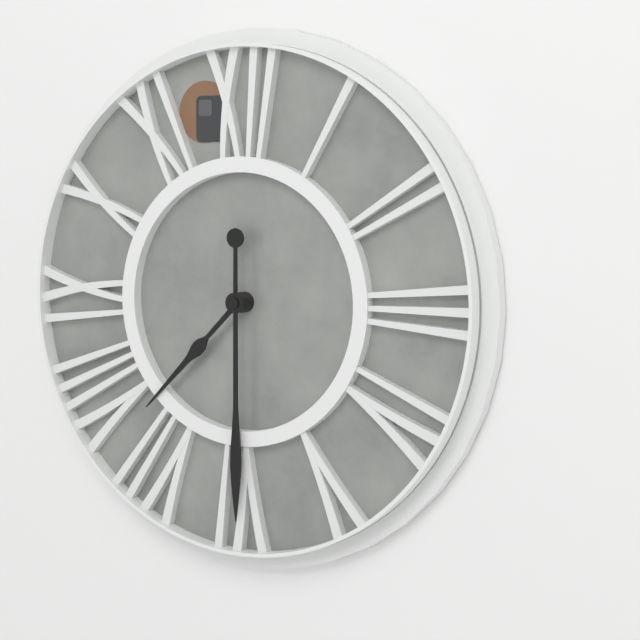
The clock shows 7 h 30 min
